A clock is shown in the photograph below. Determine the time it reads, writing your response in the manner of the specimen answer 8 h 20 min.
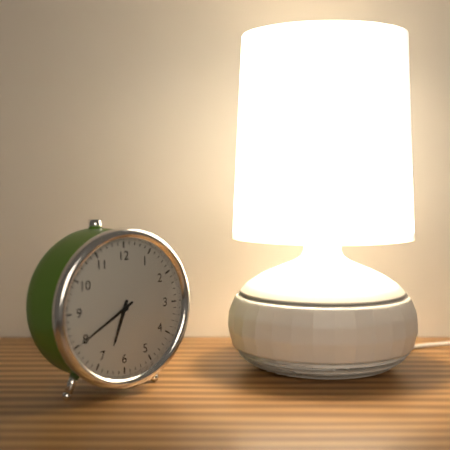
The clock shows 6 h 40 min
